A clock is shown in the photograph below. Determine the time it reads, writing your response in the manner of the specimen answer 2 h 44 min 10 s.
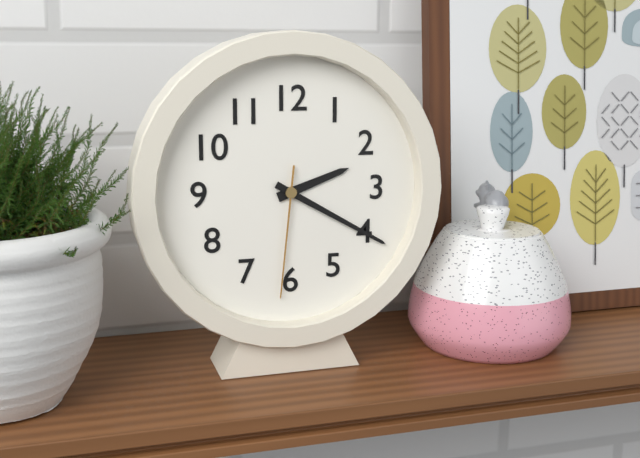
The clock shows 2 h 20 min 31 s
